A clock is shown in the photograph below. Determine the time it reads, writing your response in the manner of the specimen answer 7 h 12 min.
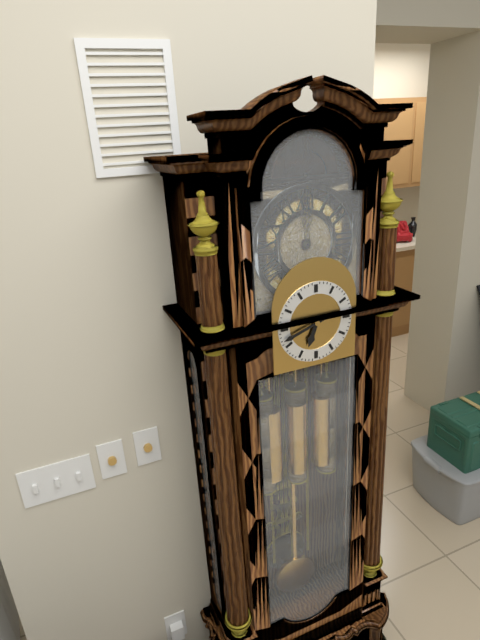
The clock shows 6 h 42 min
